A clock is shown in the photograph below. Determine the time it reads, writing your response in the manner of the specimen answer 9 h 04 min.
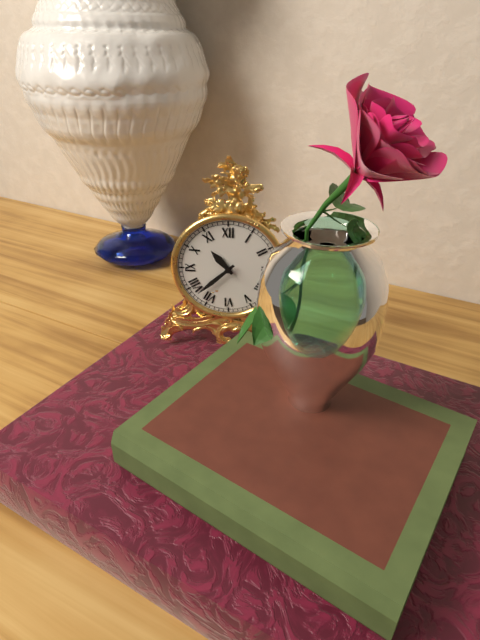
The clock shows 10 h 38 min
